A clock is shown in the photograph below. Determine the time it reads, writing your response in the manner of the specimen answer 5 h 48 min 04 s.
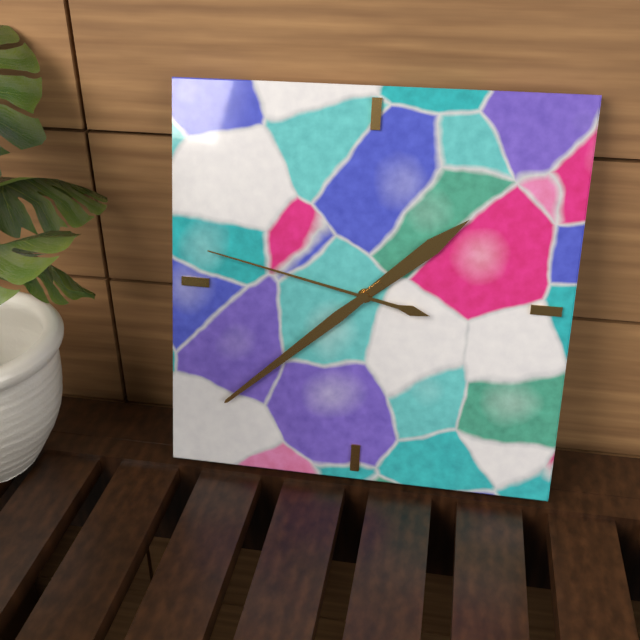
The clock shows 1 h 38 min 47 s
